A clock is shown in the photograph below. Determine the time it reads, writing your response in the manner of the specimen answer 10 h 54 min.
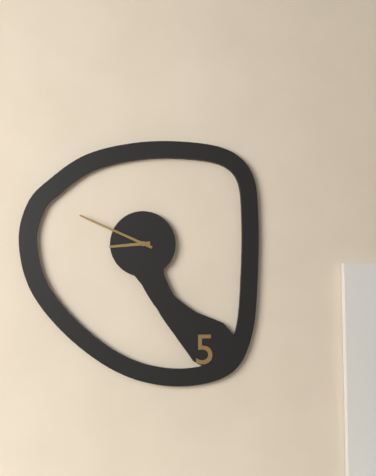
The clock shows 8 h 49 min
